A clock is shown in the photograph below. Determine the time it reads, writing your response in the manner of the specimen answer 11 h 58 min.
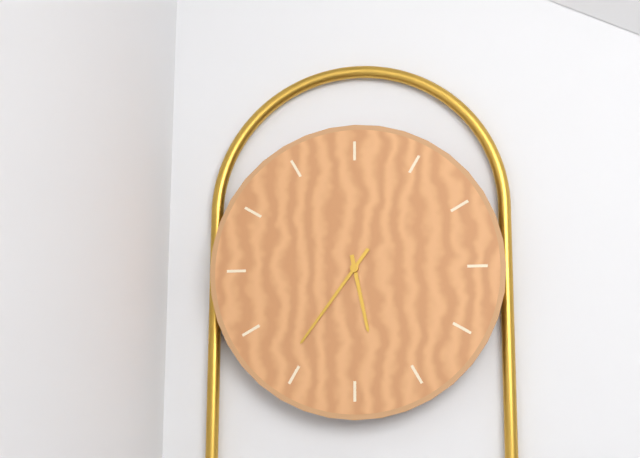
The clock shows 5 h 36 min
